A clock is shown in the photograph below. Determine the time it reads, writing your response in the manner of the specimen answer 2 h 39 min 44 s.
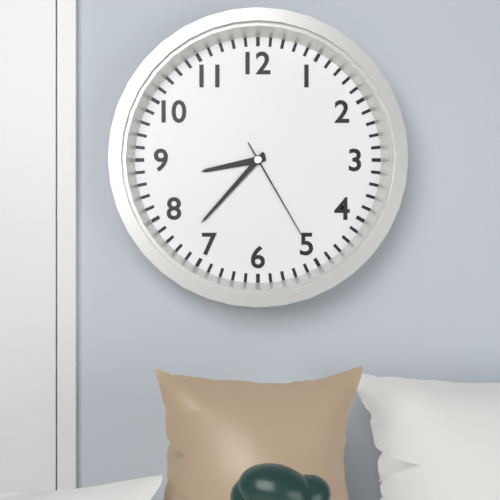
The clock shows 8 h 37 min 25 s
